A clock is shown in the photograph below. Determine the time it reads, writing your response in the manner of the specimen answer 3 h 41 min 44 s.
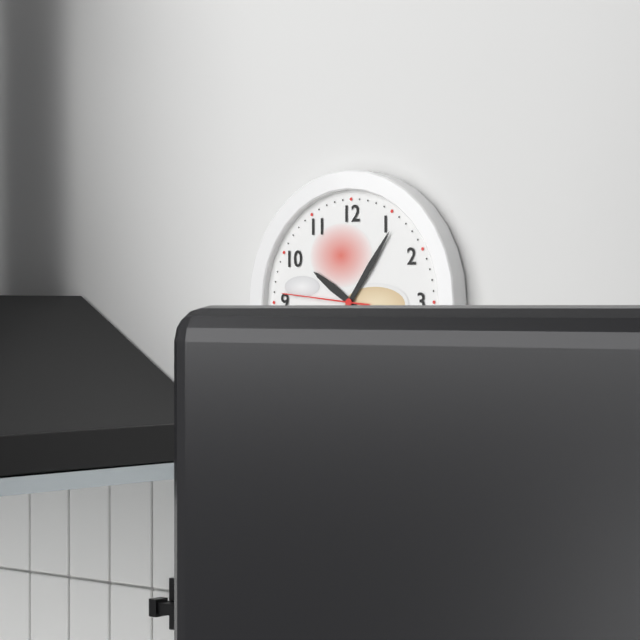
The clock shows 10 h 06 min 46 s
